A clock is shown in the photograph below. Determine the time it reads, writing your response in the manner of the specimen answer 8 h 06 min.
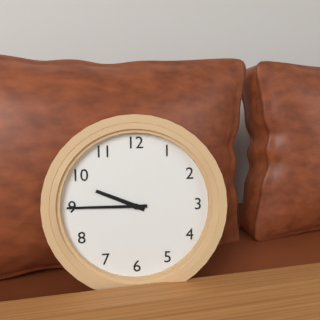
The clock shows 9 h 45 min
